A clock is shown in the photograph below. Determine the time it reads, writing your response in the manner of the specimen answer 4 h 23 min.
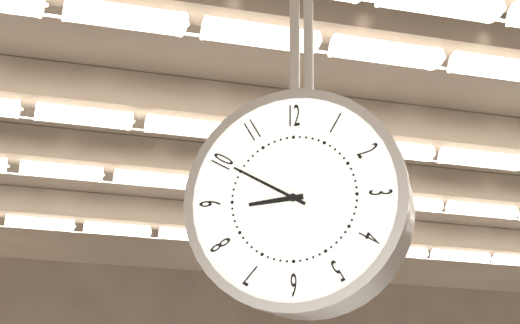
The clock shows 8 h 50 min
